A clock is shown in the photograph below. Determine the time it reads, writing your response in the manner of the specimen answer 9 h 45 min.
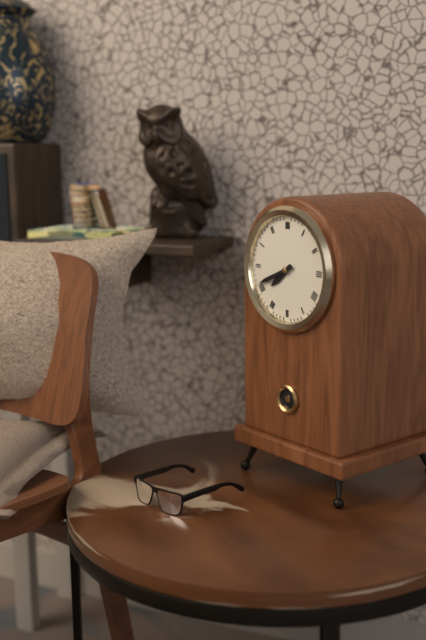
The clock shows 7 h 41 min
